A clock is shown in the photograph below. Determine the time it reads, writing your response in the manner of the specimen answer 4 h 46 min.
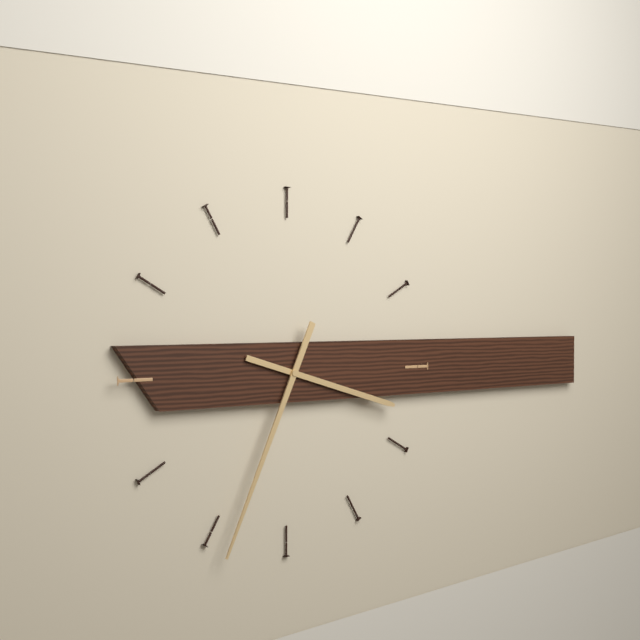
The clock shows 3 h 34 min
